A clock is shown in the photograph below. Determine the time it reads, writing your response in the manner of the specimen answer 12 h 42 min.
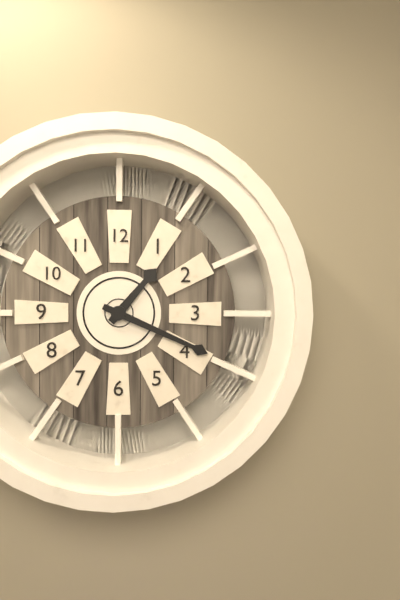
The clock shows 1 h 19 min
